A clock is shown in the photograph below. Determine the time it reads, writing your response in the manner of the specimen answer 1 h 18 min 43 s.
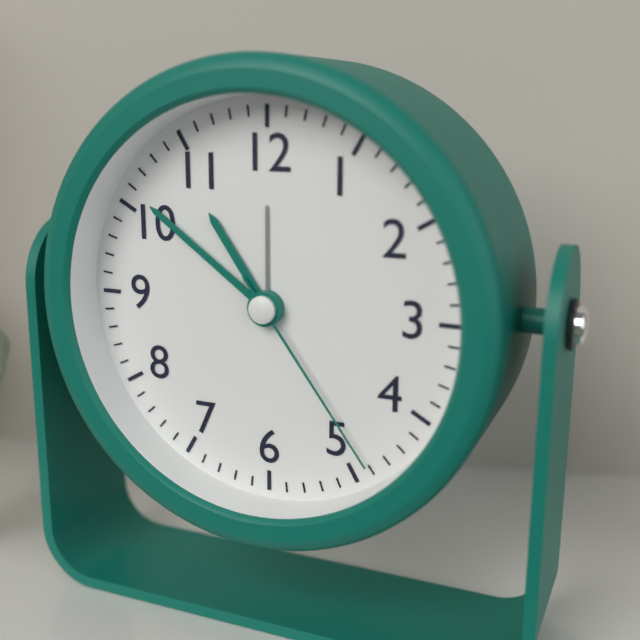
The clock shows 10 h 51 min 24 s
